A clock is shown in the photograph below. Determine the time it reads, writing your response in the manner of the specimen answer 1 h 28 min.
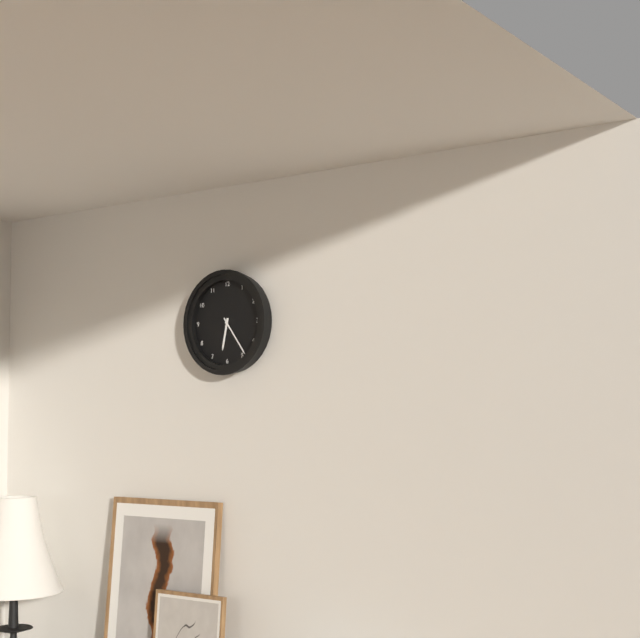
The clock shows 6 h 24 min
